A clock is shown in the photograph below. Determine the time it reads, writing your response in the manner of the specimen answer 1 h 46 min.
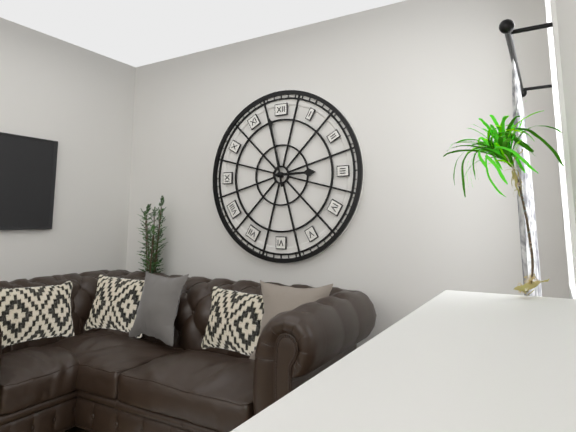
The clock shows 2 h 58 min
